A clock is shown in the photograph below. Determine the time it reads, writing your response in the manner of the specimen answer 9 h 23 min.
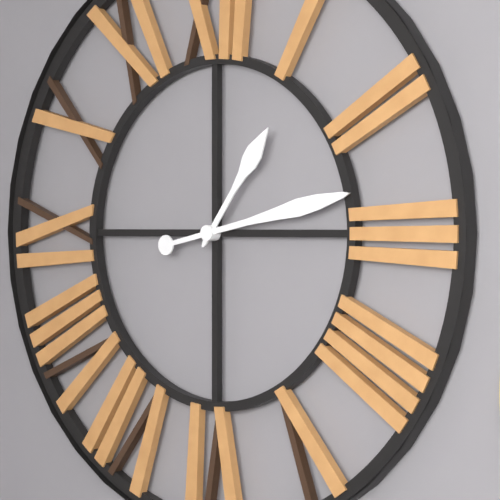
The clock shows 1 h 13 min
